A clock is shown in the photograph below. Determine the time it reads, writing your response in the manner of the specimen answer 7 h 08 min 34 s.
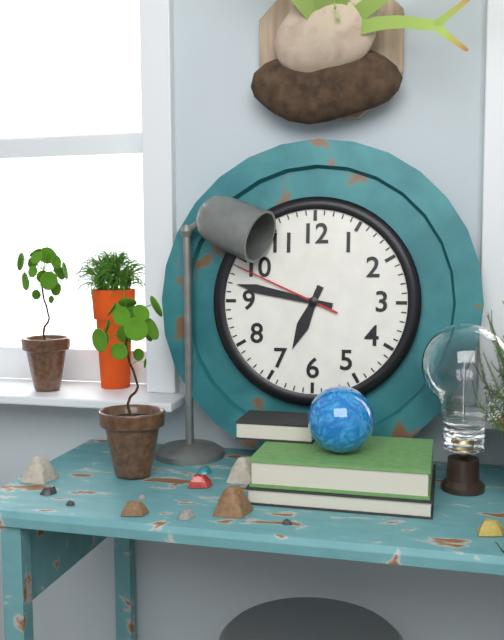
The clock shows 6 h 47 min 49 s
